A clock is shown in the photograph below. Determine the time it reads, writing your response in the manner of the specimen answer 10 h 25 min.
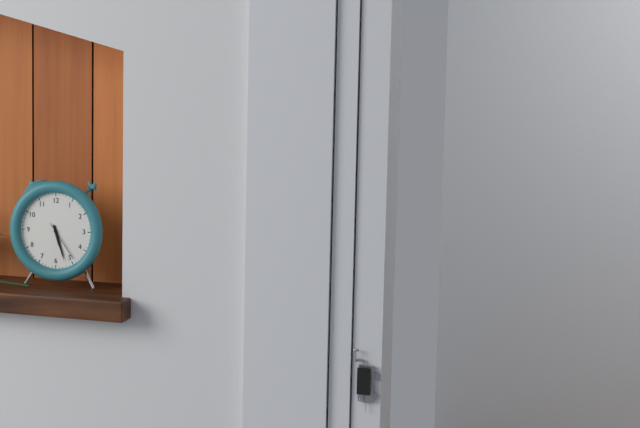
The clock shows 5 h 27 min
